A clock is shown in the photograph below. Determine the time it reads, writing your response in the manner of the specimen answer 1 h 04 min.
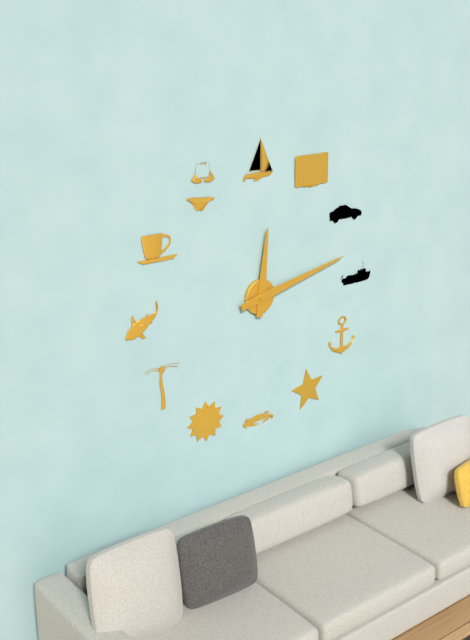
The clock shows 12 h 13 min
